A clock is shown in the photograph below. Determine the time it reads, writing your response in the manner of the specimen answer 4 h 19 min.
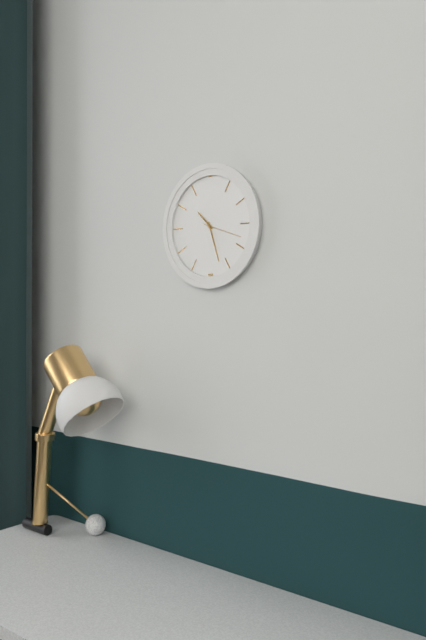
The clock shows 10 h 27 min
